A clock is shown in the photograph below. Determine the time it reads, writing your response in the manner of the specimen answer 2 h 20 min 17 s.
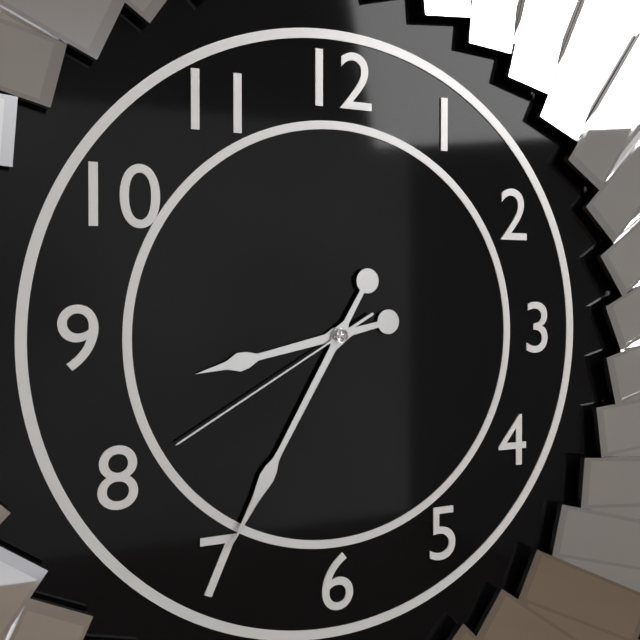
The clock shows 8 h 35 min 40 s
